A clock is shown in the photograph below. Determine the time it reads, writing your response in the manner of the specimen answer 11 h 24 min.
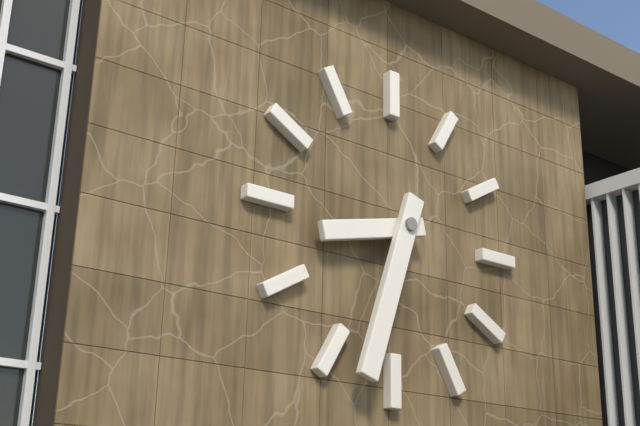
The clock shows 8 h 33 min
